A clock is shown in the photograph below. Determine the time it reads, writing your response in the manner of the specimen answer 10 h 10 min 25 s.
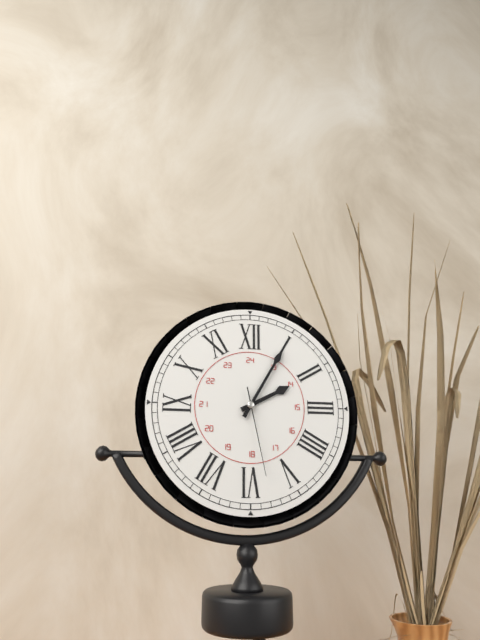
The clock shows 2 h 05 min 28 s
